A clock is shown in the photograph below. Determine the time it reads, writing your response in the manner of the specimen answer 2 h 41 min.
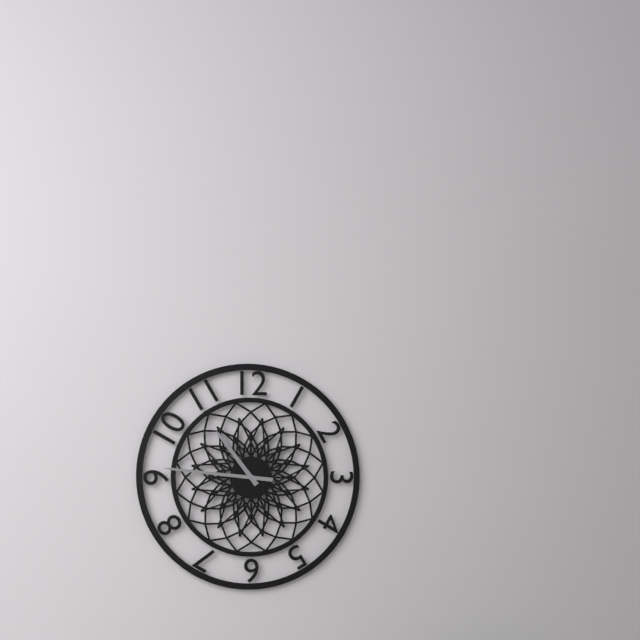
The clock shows 10 h 46 min
